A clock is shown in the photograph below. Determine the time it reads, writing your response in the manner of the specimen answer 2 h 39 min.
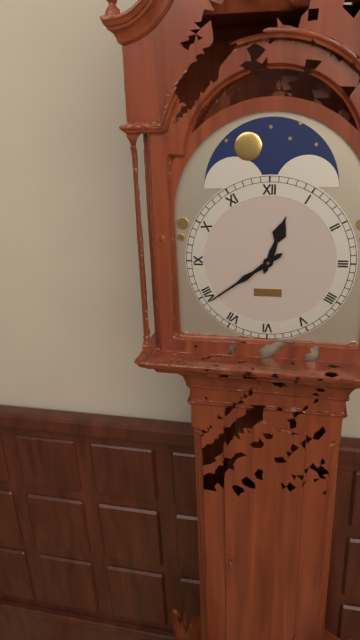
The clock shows 12 h 39 min
